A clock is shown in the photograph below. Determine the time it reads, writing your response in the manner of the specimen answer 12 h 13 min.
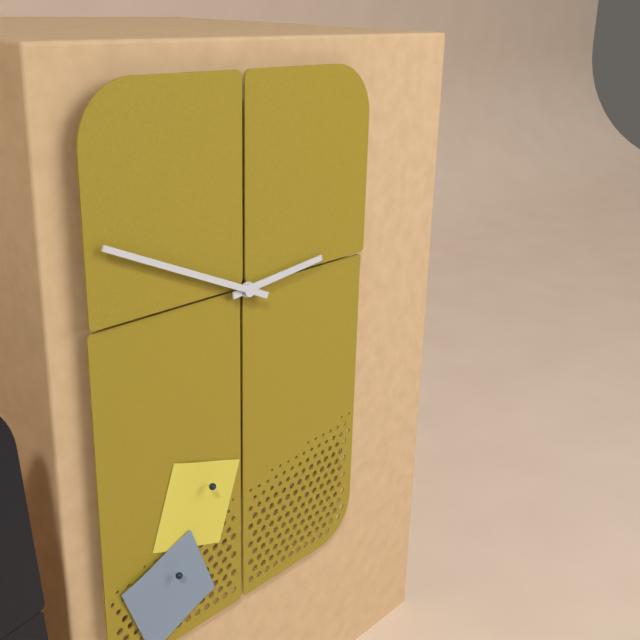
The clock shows 2 h 49 min
